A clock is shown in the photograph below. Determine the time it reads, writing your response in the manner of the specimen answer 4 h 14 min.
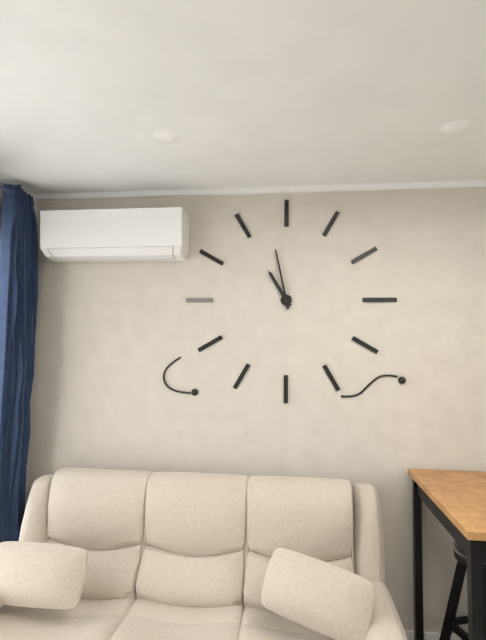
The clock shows 10 h 58 min
